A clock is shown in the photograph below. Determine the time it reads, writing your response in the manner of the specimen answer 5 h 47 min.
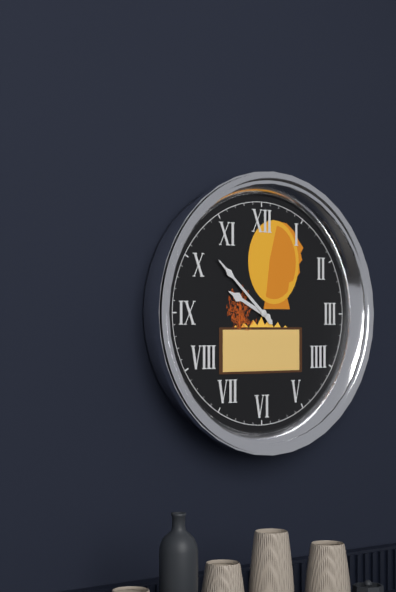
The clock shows 9 h 52 min
